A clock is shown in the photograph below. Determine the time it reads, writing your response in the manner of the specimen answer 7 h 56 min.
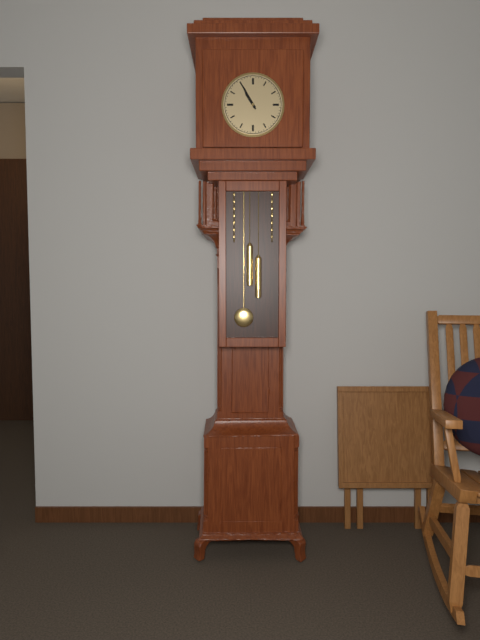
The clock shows 10 h 55 min
